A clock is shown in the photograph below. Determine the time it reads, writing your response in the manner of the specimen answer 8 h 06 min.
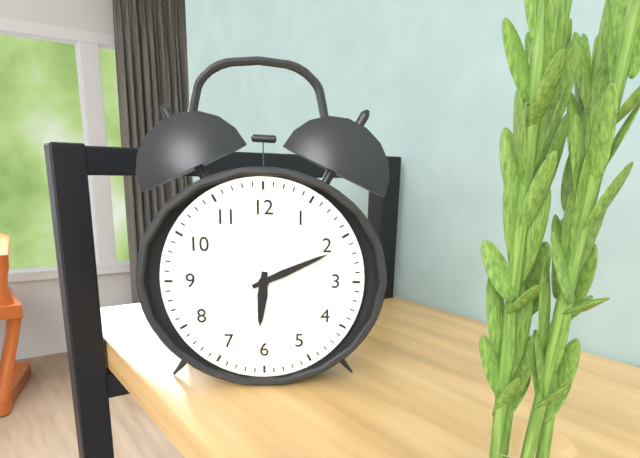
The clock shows 6 h 11 min
